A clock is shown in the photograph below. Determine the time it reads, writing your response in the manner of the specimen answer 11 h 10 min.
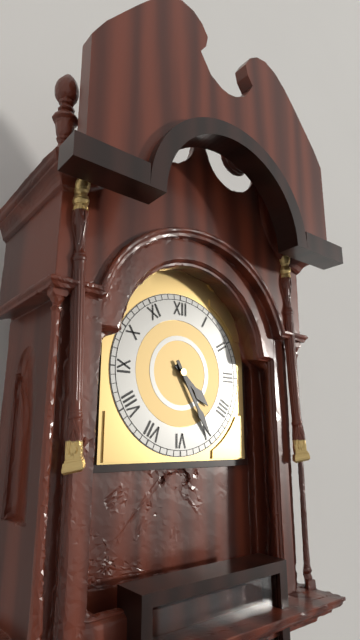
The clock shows 4 h 25 min
